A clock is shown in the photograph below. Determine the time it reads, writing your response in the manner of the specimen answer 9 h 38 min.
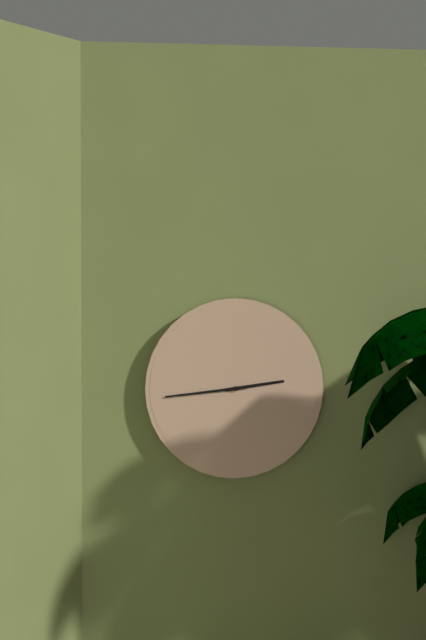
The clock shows 2 h 44 min
